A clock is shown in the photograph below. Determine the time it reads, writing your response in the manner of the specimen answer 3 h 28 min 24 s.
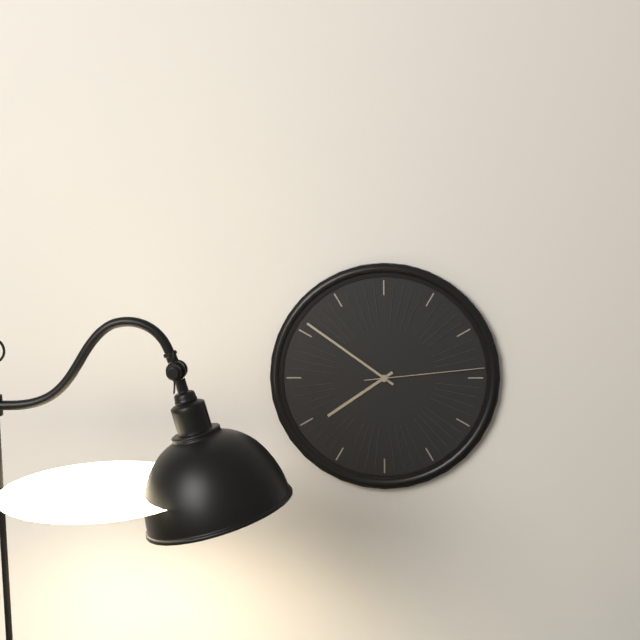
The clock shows 7 h 51 min 14 s
